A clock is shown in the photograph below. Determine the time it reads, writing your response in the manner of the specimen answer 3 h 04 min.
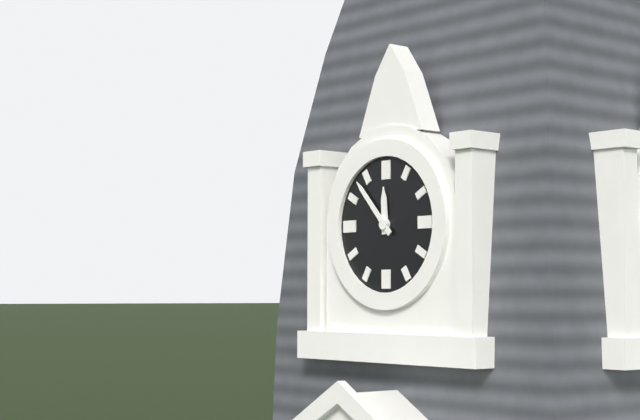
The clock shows 11 h 53 min
